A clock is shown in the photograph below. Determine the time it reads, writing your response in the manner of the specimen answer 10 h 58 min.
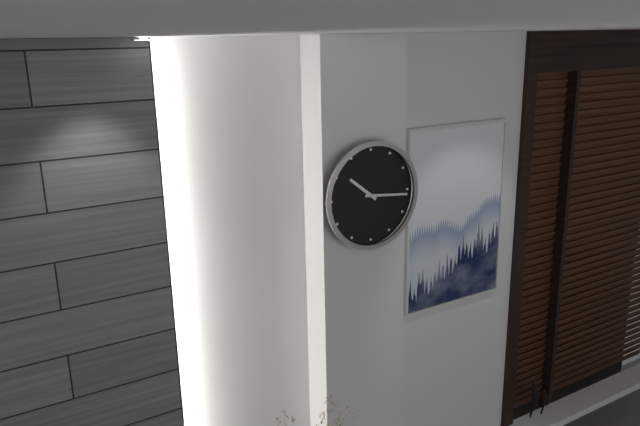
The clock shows 10 h 16 min
